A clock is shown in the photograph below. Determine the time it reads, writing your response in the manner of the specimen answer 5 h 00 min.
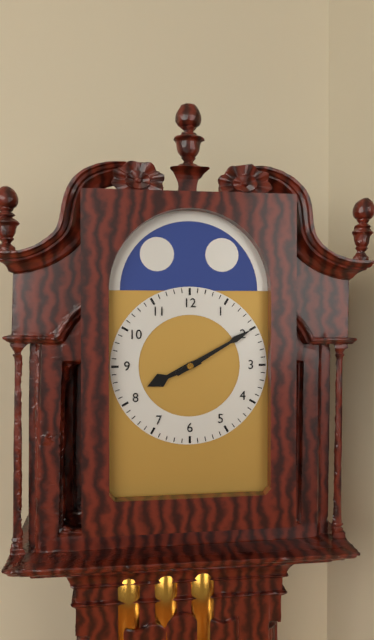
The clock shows 8 h 10 min
